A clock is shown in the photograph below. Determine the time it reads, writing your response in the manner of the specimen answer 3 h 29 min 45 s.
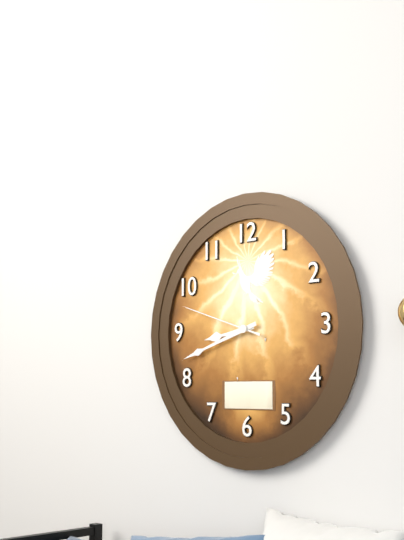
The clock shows 8 h 42 min 48 s
